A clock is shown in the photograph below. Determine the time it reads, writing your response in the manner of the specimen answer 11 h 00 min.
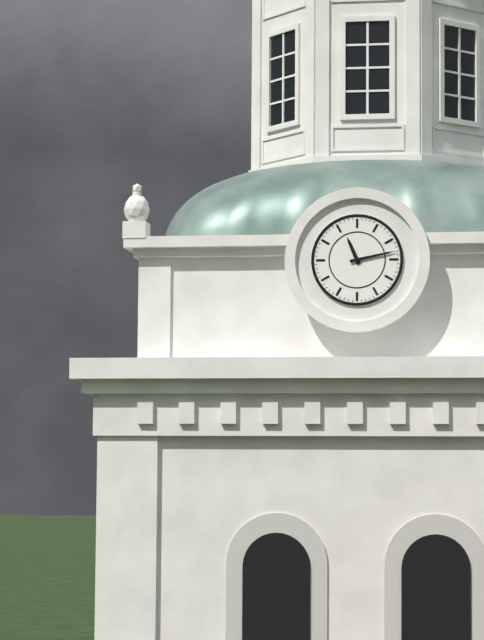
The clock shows 11 h 13 min
